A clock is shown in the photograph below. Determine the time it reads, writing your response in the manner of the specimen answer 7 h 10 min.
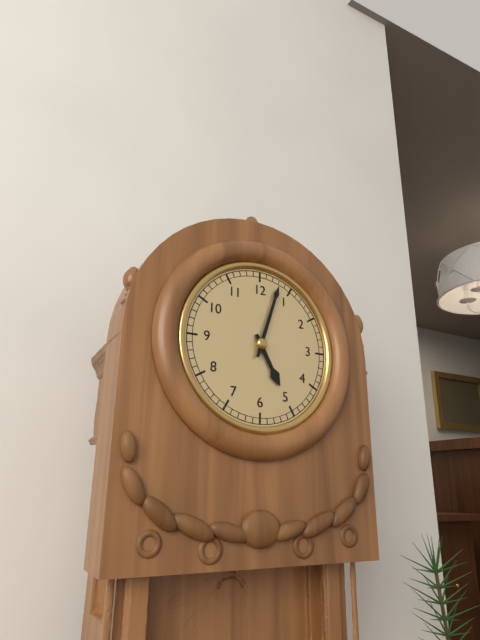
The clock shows 5 h 03 min
